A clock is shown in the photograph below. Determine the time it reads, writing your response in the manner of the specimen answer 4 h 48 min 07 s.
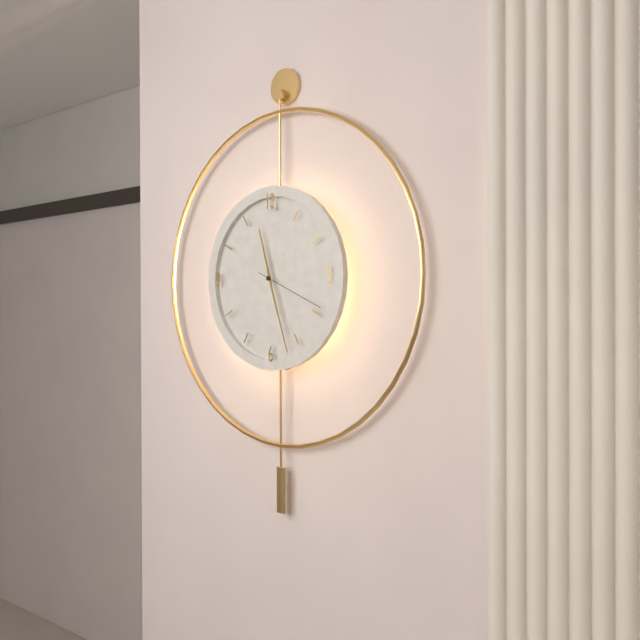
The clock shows 11 h 27 min 19 s
